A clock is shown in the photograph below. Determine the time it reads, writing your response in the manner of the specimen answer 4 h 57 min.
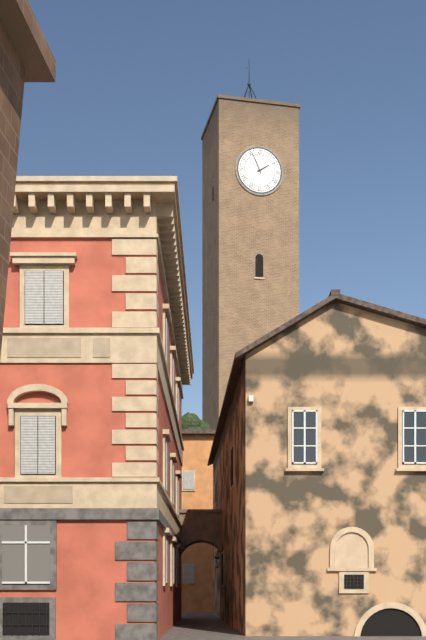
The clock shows 1 h 56 min
